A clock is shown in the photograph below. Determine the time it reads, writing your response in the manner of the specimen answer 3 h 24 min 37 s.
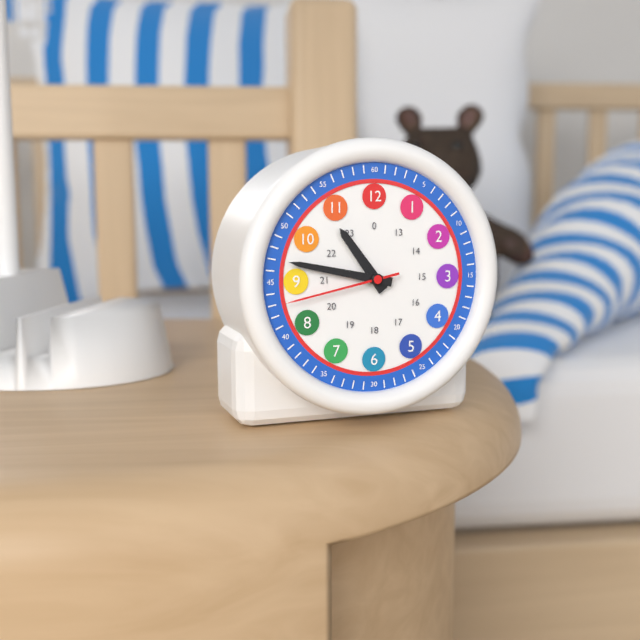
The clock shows 10 h 47 min 43 s
